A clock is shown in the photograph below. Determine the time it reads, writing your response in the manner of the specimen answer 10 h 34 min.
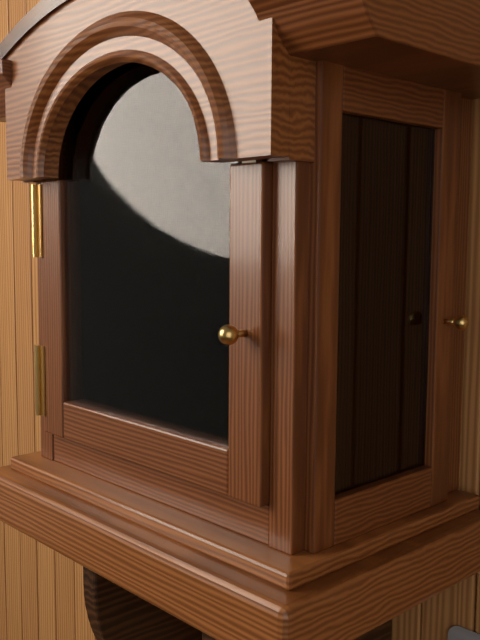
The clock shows 8 h 48 min
